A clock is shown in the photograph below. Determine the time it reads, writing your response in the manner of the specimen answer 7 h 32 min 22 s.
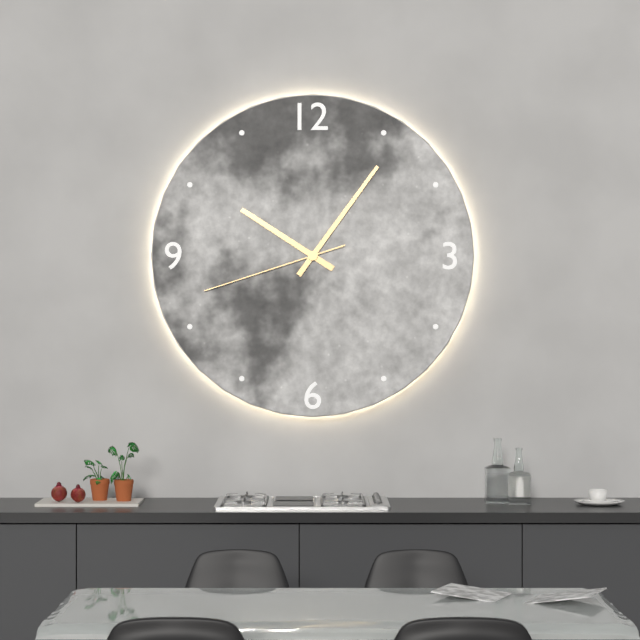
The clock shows 10 h 06 min 42 s
